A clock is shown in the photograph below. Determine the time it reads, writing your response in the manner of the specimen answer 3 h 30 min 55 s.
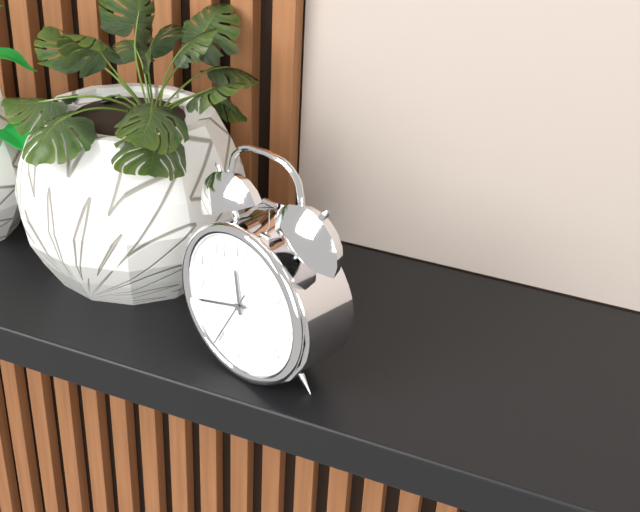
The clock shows 11 h 42 min 35 s
